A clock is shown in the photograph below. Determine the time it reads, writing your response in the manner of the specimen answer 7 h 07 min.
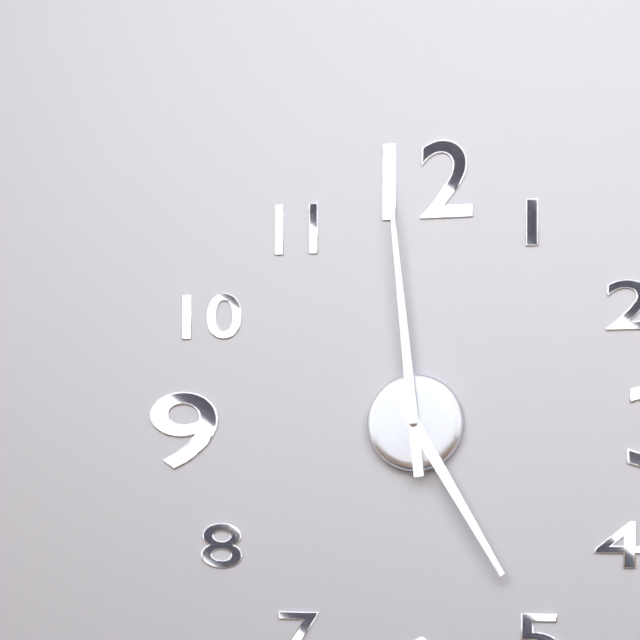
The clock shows 4 h 59 min
